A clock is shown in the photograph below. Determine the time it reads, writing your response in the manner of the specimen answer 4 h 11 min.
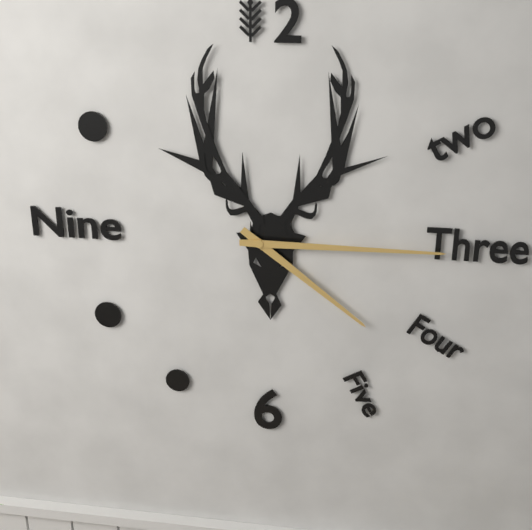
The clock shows 4 h 15 min
